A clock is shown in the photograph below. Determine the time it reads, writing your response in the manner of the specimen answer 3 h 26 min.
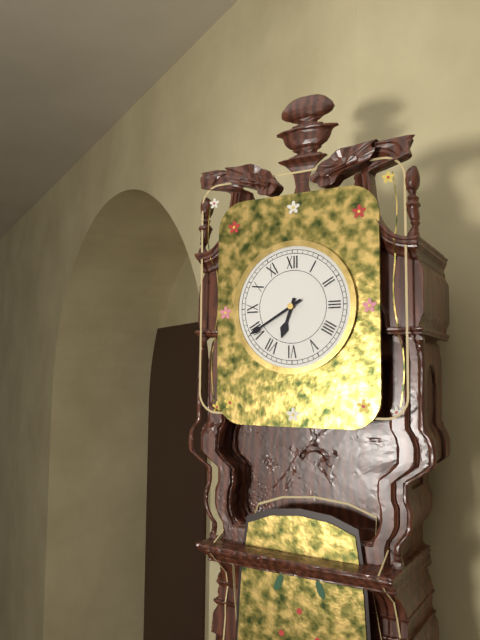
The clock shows 6 h 40 min
